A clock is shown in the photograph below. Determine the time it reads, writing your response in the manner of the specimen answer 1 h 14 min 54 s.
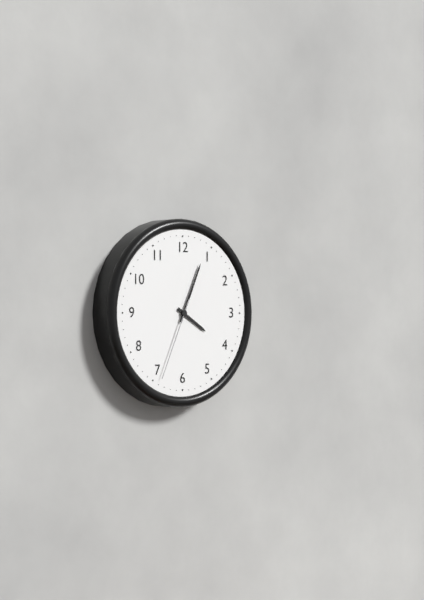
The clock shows 4 h 04 min 34 s
